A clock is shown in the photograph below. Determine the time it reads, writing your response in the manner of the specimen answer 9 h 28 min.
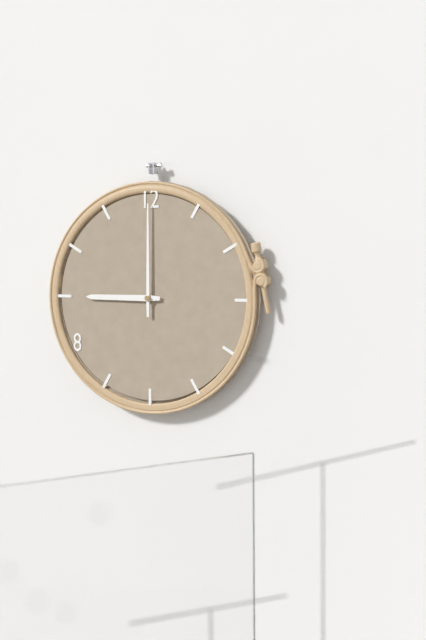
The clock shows 9 h 00 min
